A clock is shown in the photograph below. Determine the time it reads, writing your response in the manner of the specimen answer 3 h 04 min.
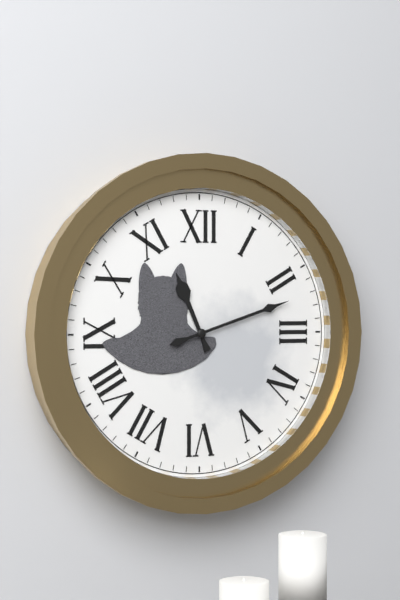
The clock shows 11 h 12 min
